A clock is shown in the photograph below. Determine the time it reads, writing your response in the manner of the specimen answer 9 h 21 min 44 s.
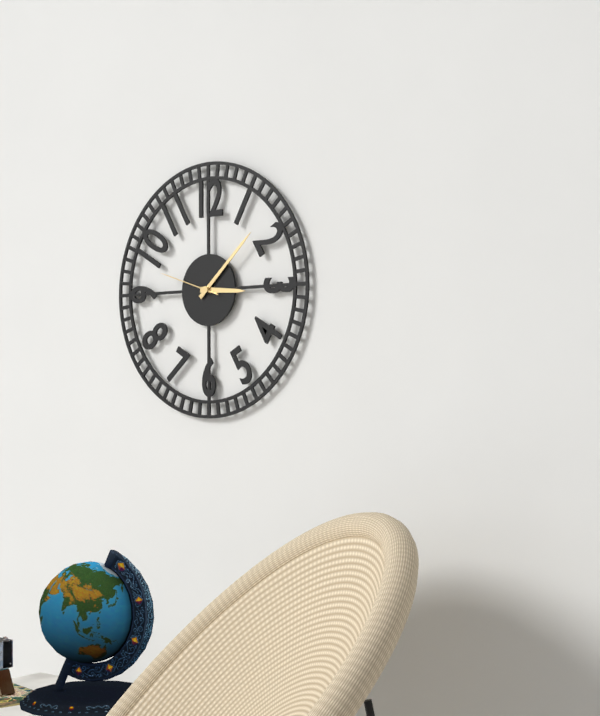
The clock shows 3 h 08 min 48 s
